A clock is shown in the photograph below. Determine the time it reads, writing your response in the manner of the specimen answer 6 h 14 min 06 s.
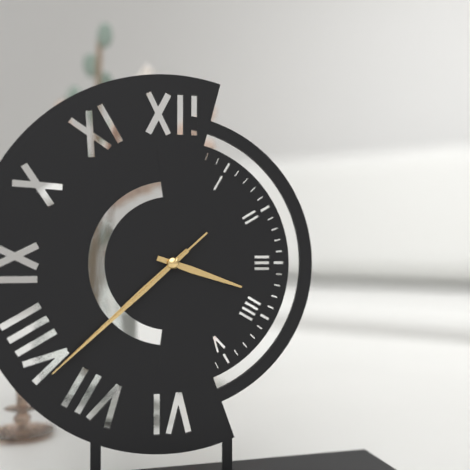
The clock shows 3 h 38 min 38 s
